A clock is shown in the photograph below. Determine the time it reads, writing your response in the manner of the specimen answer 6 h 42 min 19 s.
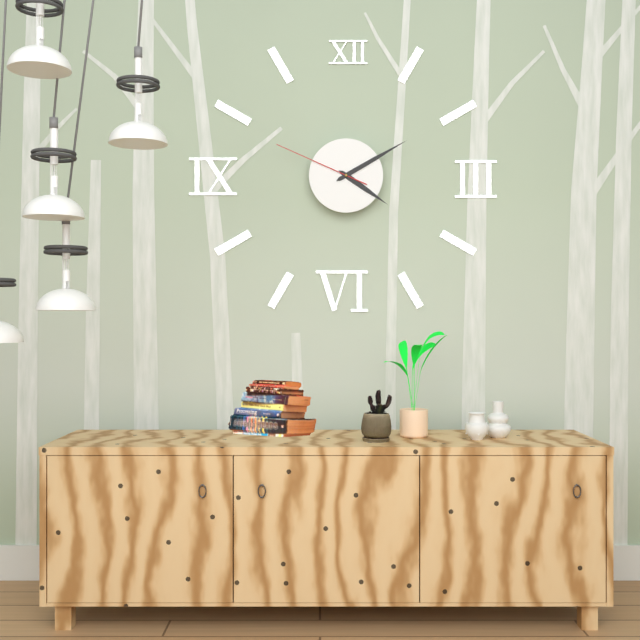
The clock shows 4 h 10 min 49 s
